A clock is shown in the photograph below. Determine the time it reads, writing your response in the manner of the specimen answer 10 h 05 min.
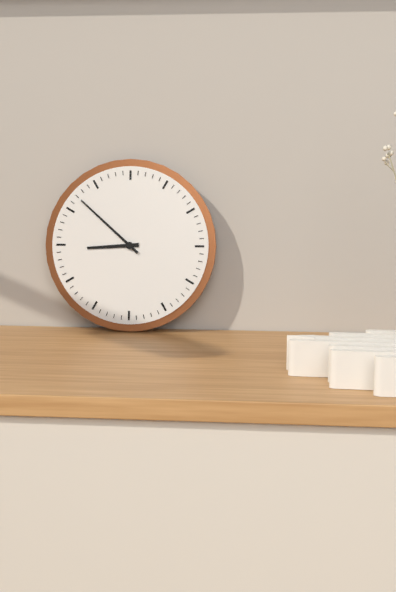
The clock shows 8 h 52 min
